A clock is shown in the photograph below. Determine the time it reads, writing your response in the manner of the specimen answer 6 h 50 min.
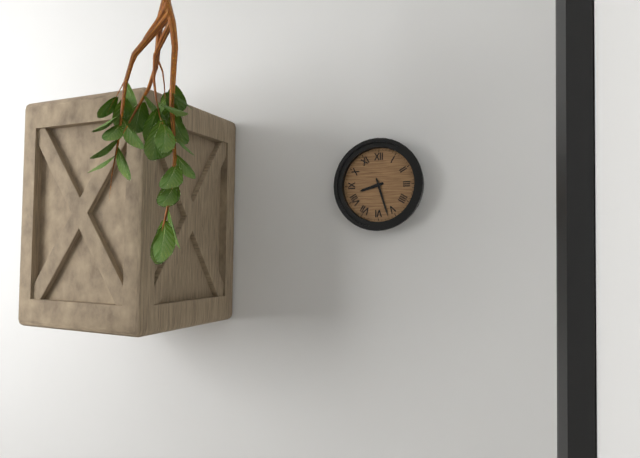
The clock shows 8 h 27 min
